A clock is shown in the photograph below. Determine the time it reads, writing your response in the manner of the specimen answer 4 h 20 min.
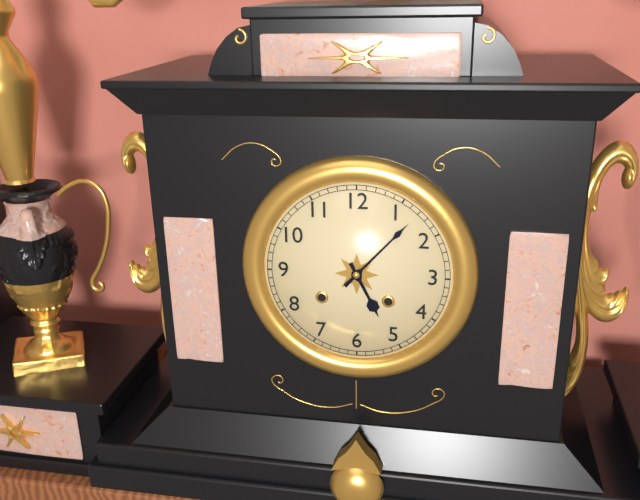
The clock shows 5 h 07 min
